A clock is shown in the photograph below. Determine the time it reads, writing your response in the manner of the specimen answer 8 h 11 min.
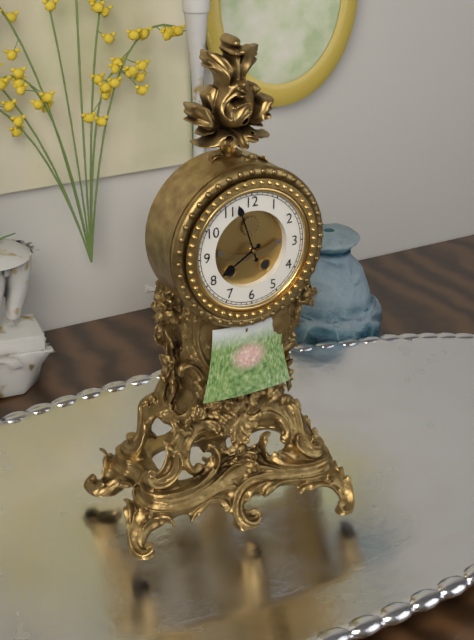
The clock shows 7 h 57 min
